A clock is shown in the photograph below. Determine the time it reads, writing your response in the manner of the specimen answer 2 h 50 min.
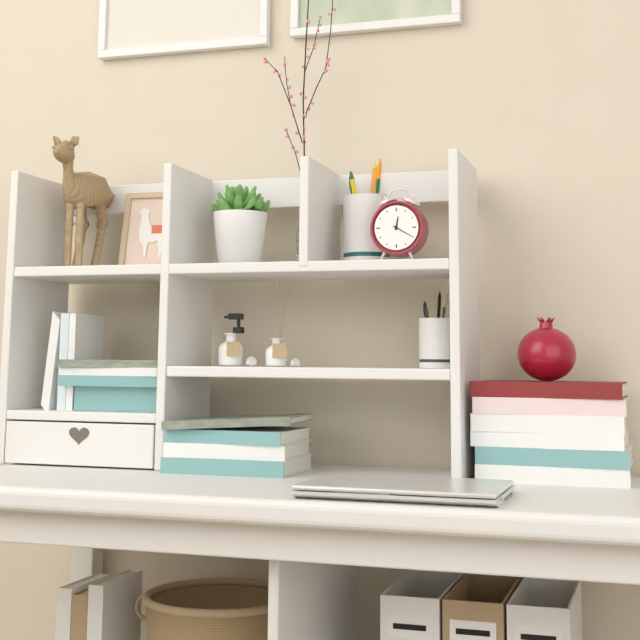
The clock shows 12 h 20 min
